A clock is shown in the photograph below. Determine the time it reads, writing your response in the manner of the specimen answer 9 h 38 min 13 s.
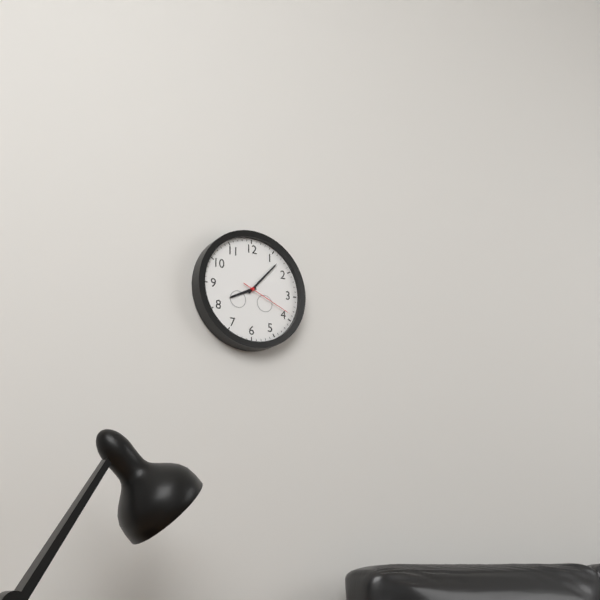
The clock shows 8 h 07 min 19 s
